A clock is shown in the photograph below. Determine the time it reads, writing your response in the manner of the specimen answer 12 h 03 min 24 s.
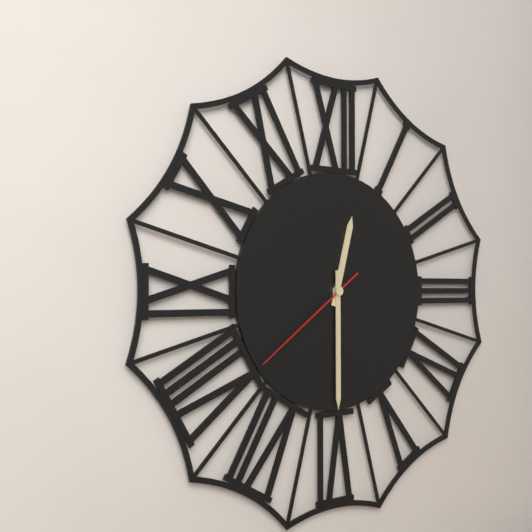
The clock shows 12 h 30 min 39 s
